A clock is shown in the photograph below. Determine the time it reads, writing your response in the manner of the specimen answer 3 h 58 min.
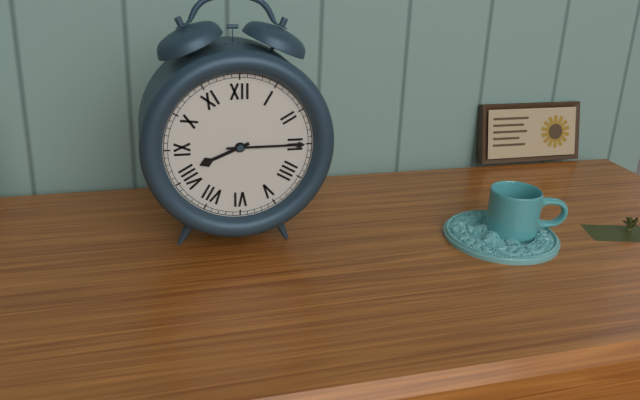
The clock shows 8 h 15 min
